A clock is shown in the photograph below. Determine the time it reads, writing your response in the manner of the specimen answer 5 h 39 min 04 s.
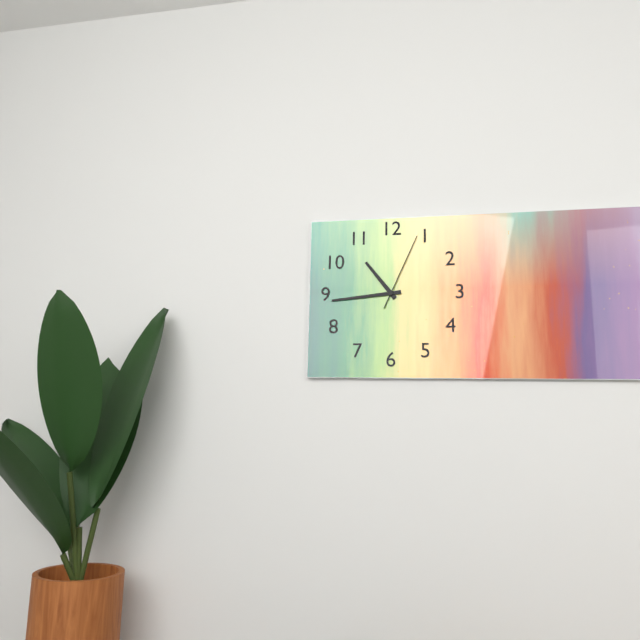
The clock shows 10 h 44 min 04 s
